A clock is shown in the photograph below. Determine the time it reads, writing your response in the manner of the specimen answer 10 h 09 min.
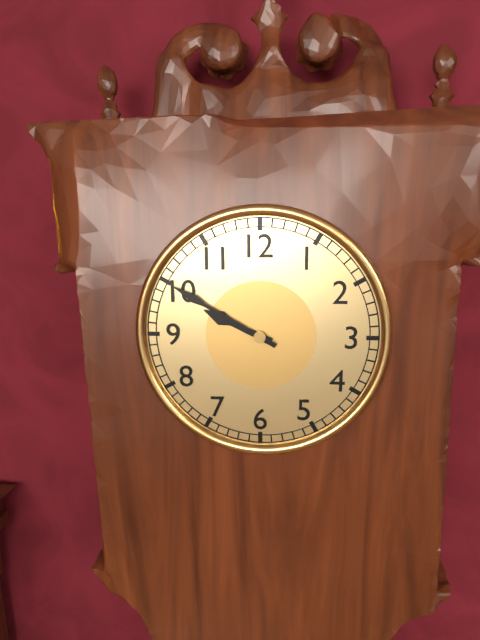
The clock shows 9 h 50 min
